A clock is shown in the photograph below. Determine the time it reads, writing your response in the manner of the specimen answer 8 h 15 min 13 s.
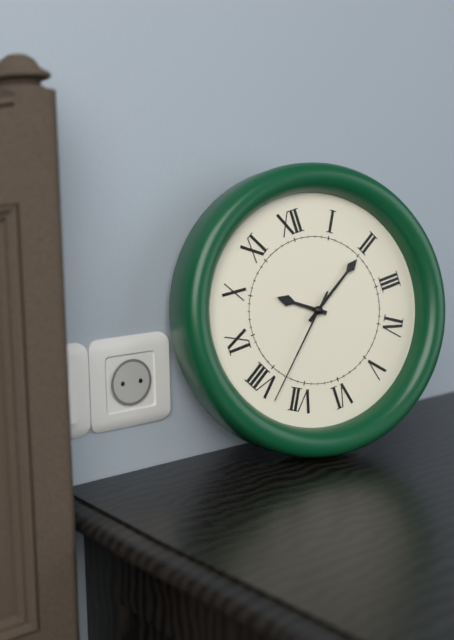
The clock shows 10 h 10 min 38 s
